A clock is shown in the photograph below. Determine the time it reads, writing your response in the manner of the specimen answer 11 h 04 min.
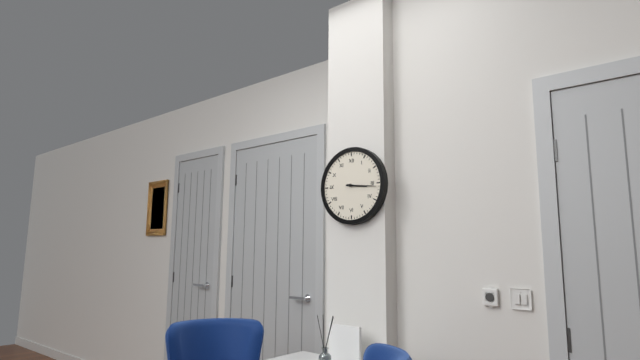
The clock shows 3 h 16 min
